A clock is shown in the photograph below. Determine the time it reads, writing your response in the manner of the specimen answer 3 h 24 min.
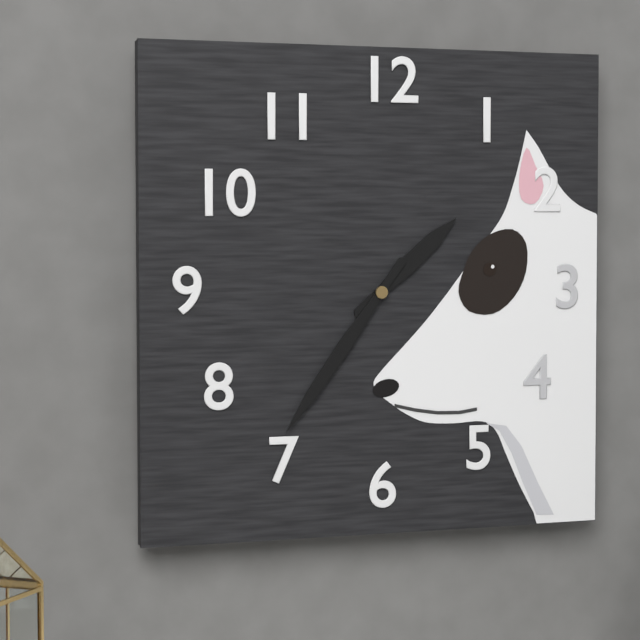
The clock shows 1 h 36 min
